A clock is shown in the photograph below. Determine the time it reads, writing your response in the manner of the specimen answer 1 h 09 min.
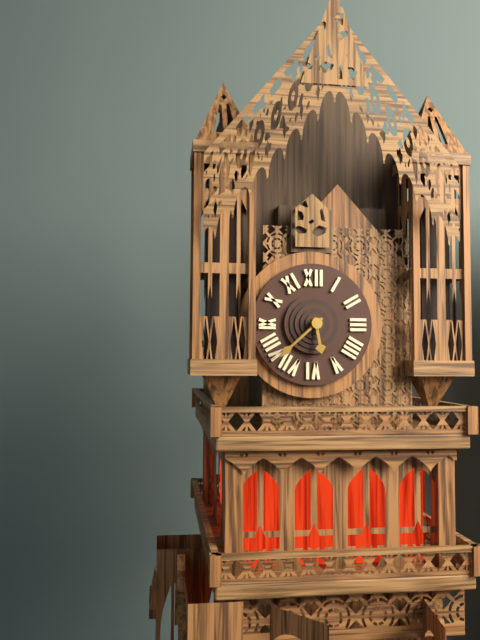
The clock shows 5 h 38 min
